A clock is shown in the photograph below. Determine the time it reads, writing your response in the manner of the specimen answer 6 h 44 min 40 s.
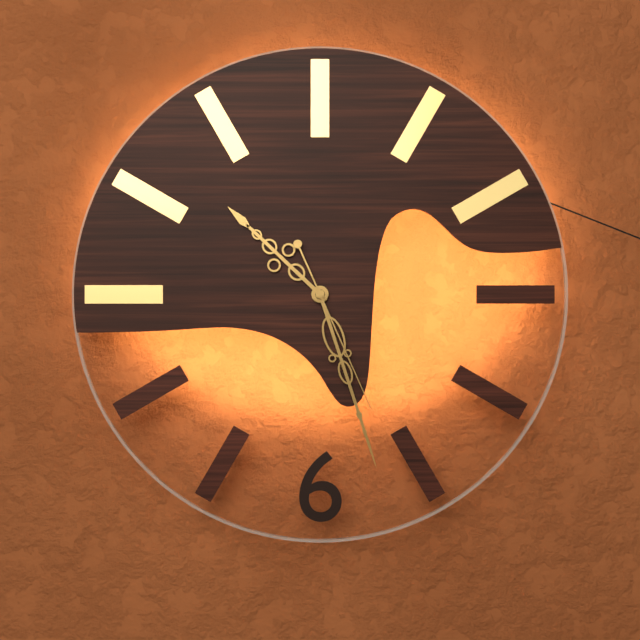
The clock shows 10 h 27 min 26 s
